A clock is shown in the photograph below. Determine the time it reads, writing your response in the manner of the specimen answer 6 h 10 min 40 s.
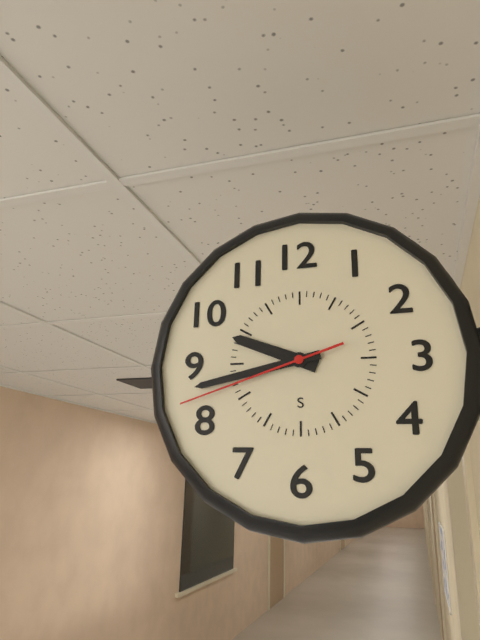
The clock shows 9 h 43 min 42 s
